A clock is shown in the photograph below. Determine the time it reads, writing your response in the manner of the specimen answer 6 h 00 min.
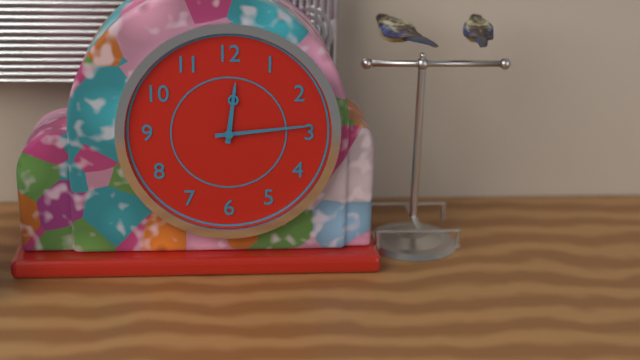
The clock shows 12 h 14 min
